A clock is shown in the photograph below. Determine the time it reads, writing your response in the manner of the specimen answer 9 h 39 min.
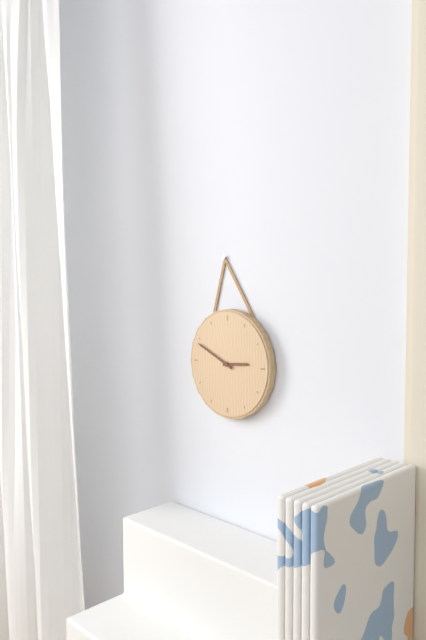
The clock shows 2 h 49 min
